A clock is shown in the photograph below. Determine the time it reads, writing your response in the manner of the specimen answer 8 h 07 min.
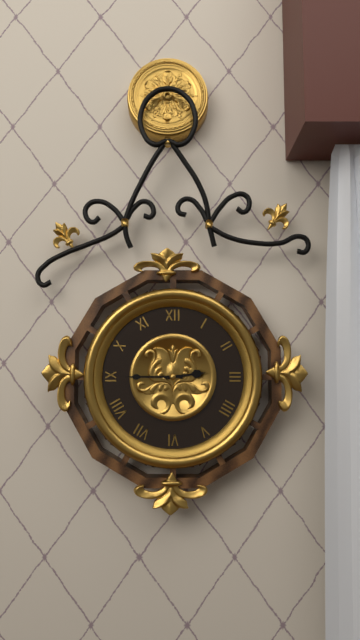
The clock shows 2 h 45 min
